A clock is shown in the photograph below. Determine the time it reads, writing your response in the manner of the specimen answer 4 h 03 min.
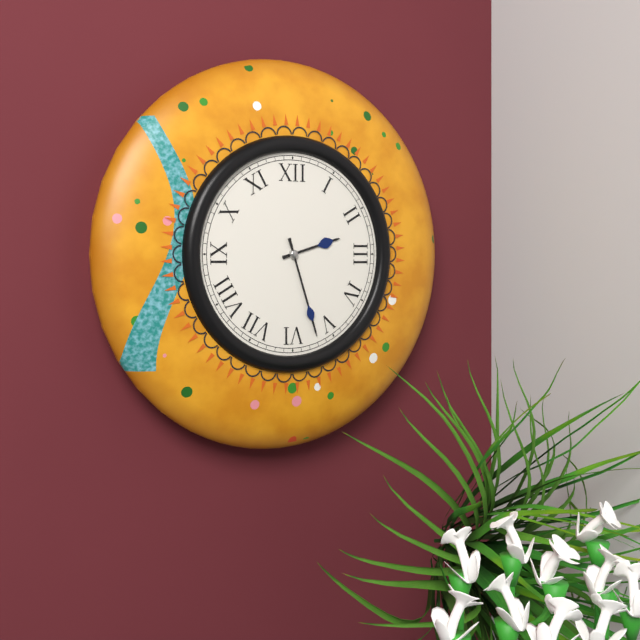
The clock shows 2 h 27 min
